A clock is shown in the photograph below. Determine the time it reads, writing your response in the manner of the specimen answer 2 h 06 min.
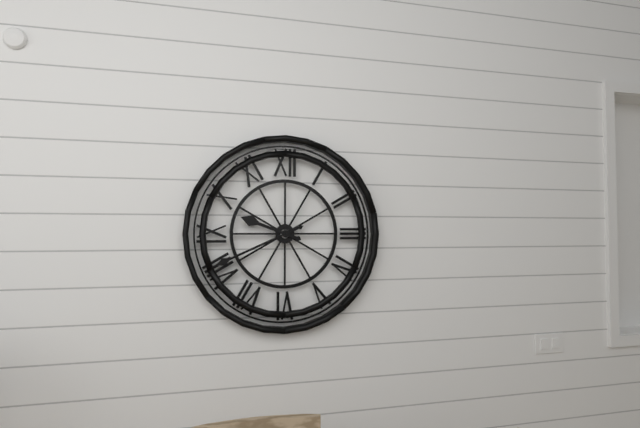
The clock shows 9 h 41 min
